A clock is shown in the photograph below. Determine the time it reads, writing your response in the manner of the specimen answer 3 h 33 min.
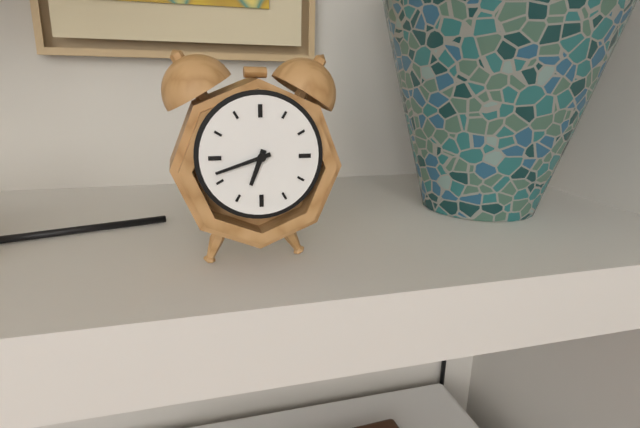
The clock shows 6 h 42 min
